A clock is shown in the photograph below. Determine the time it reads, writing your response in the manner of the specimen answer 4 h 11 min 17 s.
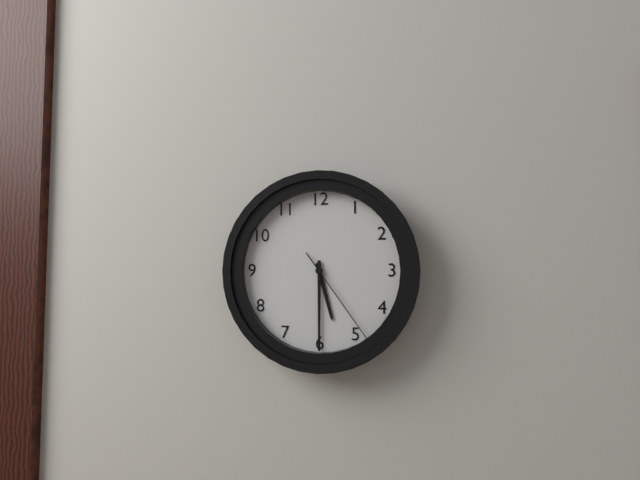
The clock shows 5 h 30 min 24 s
